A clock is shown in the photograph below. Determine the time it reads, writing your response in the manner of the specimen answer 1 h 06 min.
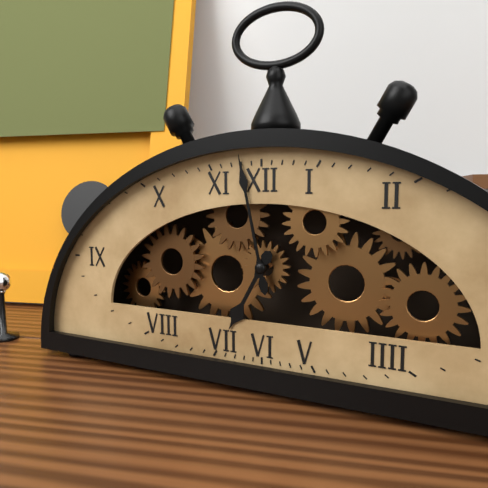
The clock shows 6 h 58 min
